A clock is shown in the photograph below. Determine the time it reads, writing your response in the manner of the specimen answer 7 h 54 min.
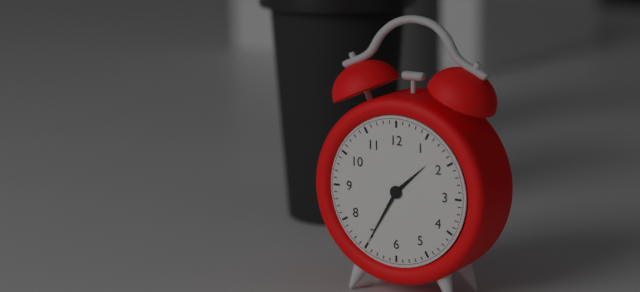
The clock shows 1 h 35 min
